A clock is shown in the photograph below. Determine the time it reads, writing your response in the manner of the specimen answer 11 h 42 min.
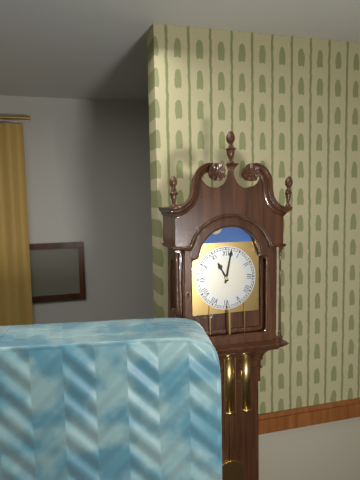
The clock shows 11 h 02 min
